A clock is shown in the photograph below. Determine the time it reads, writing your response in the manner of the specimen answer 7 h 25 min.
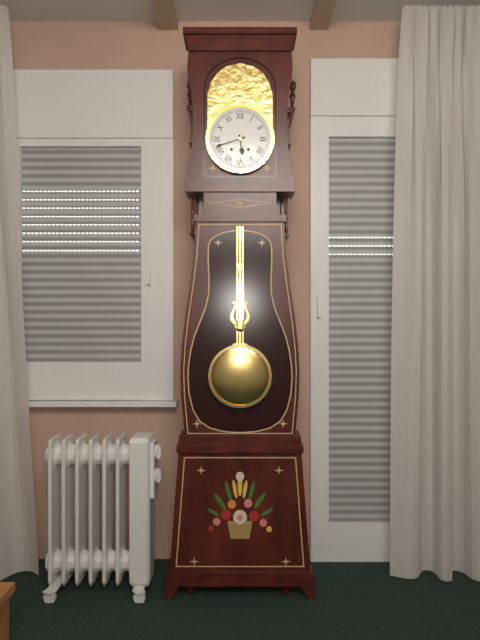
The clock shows 5 h 42 min
